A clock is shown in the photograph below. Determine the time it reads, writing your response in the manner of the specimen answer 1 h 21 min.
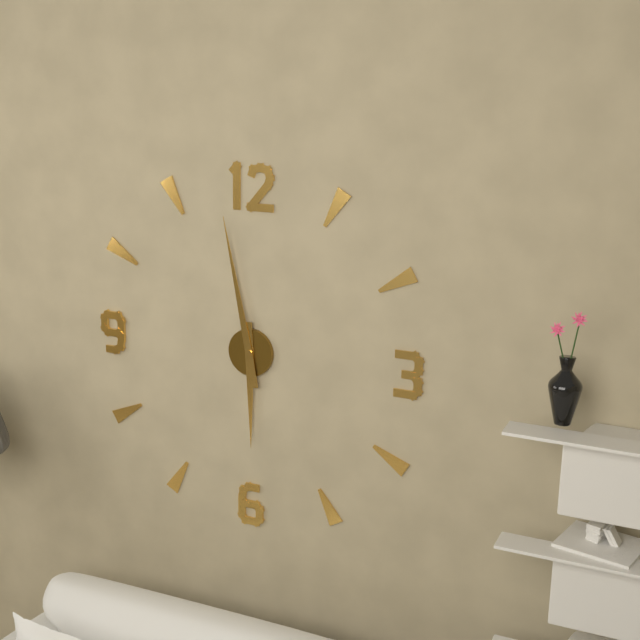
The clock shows 5 h 58 min
